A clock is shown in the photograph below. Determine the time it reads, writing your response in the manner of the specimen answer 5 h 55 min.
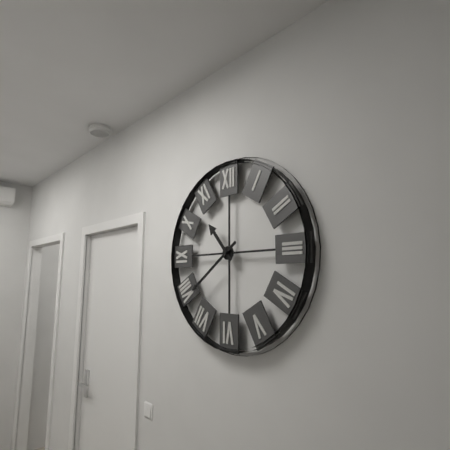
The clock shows 10 h 39 min
